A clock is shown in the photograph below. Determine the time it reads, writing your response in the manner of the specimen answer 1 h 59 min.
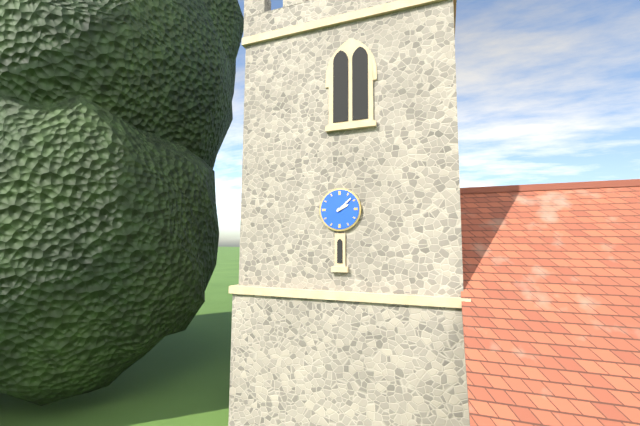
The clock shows 2 h 08 min
